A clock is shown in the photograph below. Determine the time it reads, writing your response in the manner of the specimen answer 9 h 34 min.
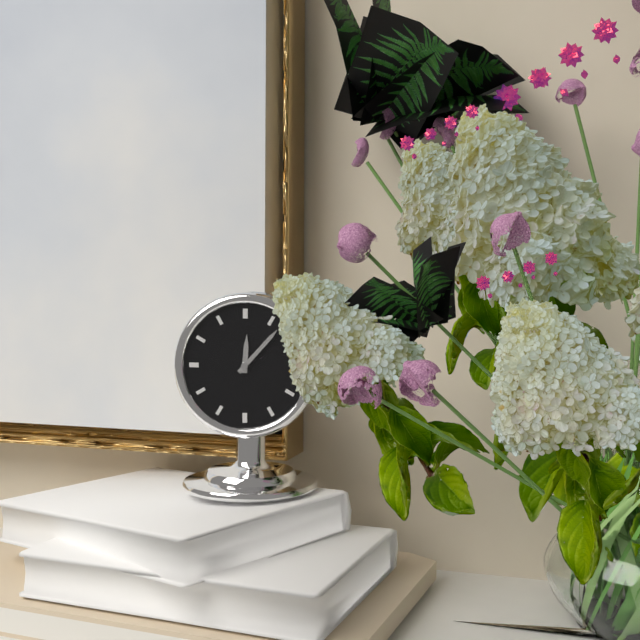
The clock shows 12 h 07 min
